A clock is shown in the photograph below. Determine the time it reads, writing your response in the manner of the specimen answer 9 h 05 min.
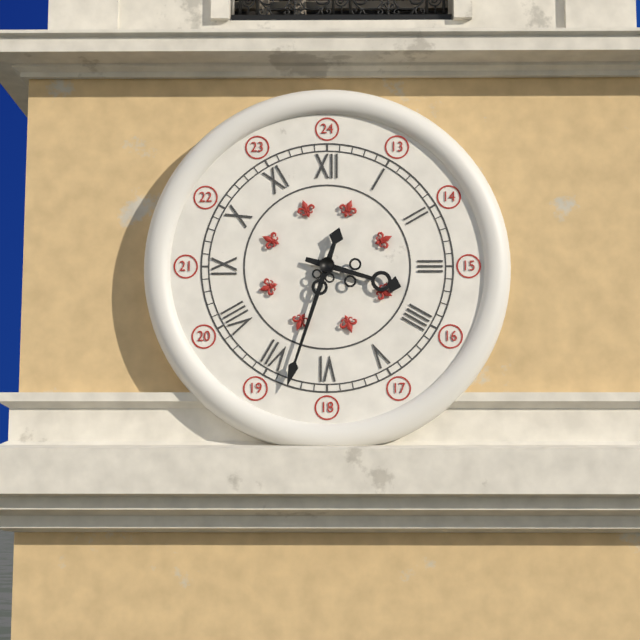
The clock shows 3 h 33 min
